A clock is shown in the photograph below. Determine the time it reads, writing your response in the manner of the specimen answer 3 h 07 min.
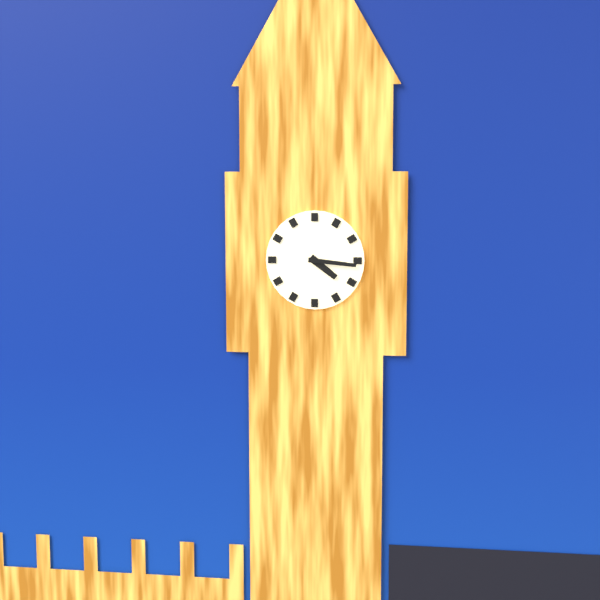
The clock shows 4 h 16 min
